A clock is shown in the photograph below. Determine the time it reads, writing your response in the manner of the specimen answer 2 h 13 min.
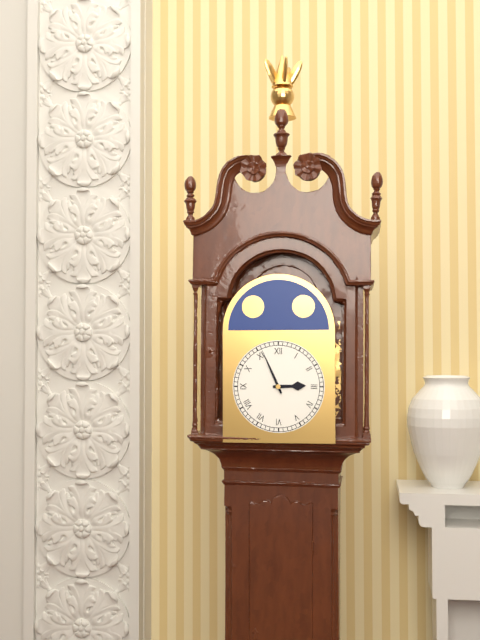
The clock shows 2 h 56 min
